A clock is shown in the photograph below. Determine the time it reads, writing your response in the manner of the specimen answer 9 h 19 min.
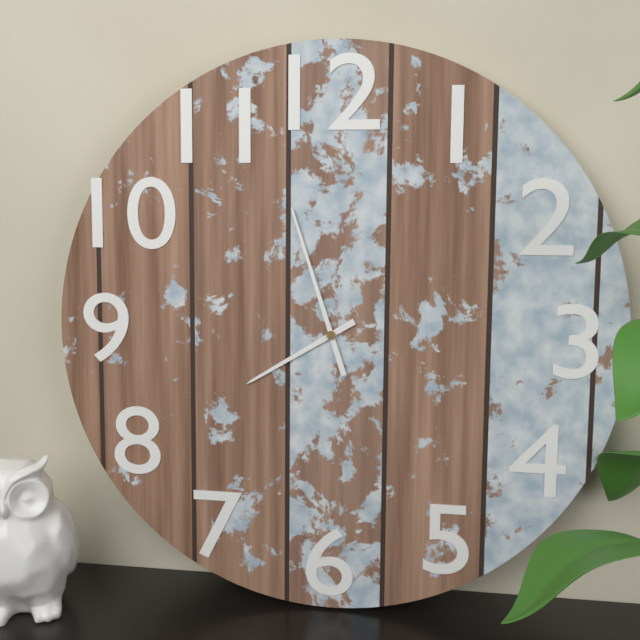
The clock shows 7 h 57 min
